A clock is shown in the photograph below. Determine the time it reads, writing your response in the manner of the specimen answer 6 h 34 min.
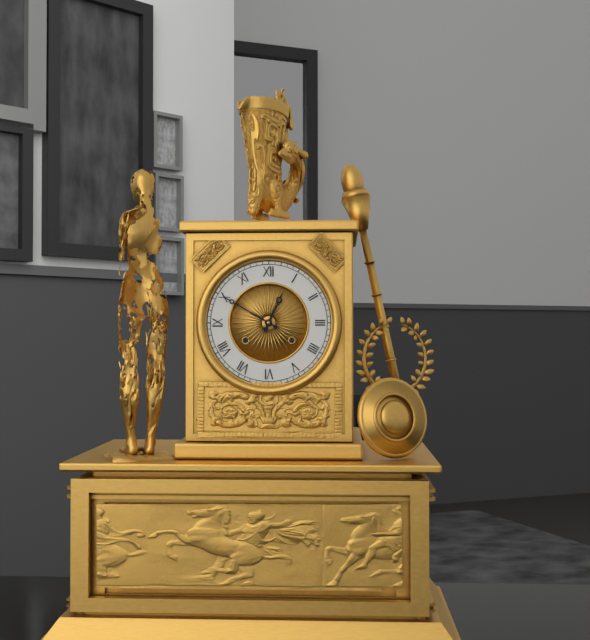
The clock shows 12 h 50 min
